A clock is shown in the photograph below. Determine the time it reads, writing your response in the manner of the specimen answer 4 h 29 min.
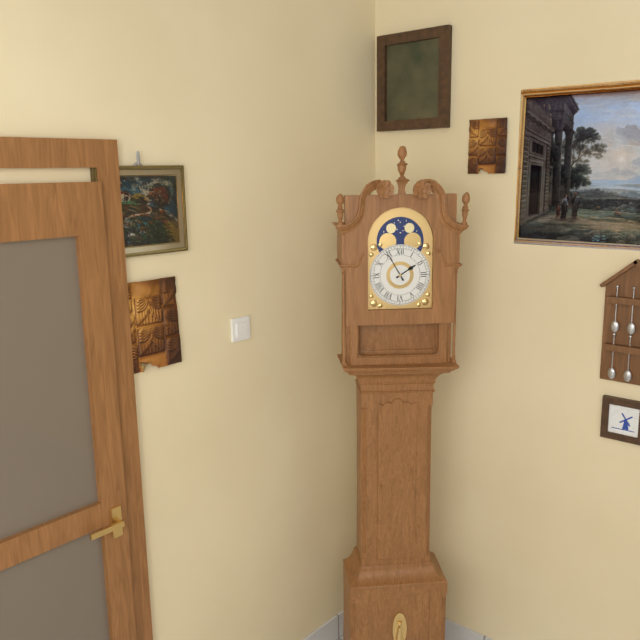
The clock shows 1 h 55 min
